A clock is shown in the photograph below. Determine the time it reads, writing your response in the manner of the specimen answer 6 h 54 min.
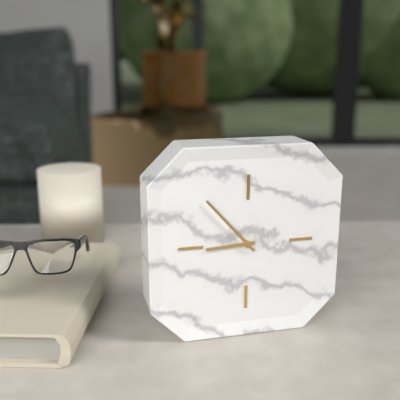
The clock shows 8 h 53 min
